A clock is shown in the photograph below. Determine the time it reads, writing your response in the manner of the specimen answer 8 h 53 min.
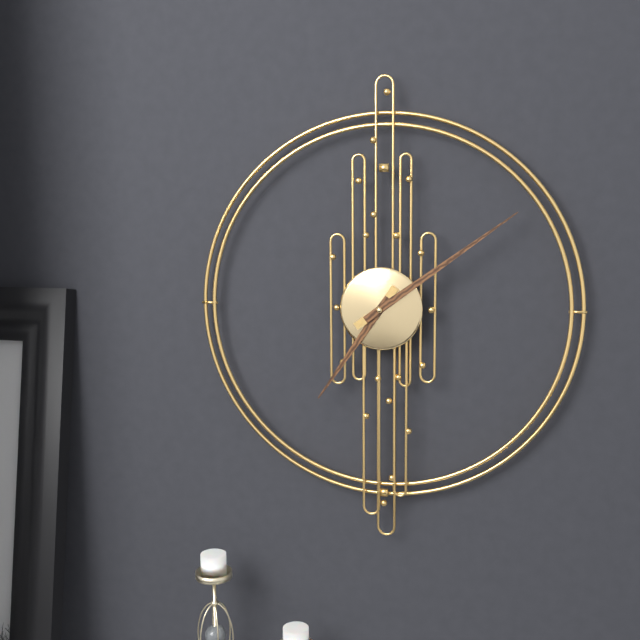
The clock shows 7 h 09 min
